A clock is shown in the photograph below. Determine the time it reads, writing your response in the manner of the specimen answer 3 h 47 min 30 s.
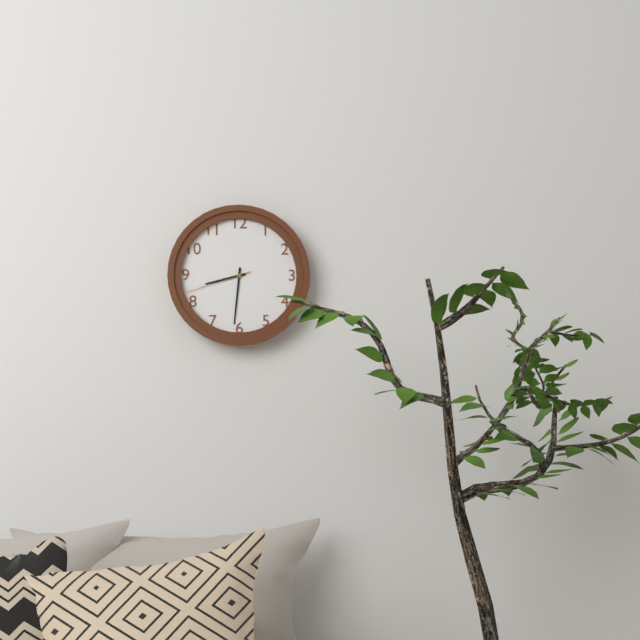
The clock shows 8 h 31 min 42 s
